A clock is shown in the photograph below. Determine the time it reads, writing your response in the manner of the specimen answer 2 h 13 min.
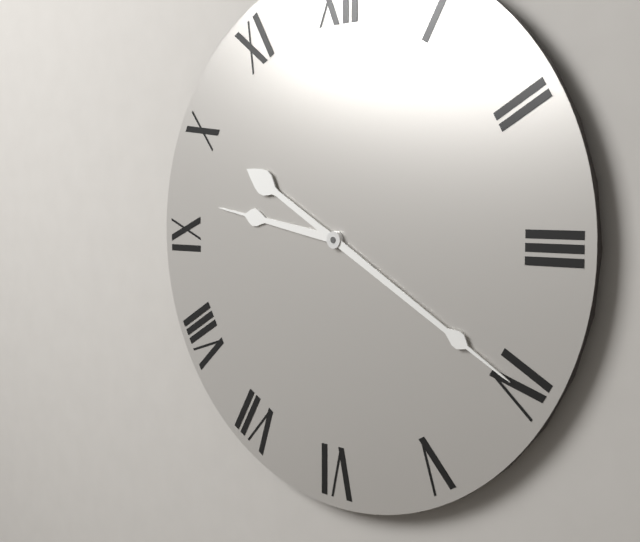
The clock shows 9 h 20 min
